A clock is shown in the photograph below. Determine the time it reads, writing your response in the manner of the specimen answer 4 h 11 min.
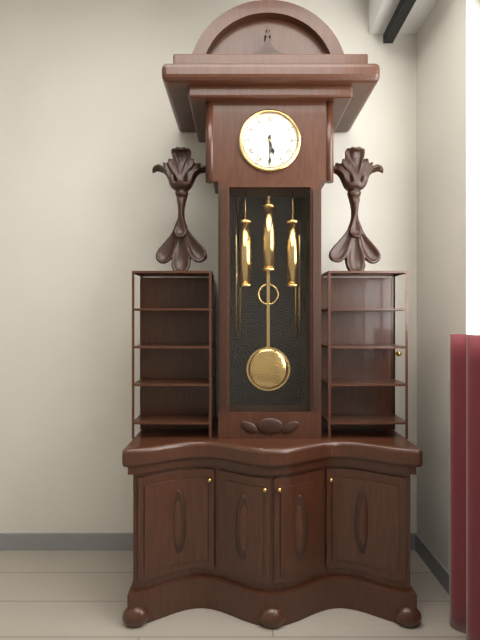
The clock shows 5 h 30 min
